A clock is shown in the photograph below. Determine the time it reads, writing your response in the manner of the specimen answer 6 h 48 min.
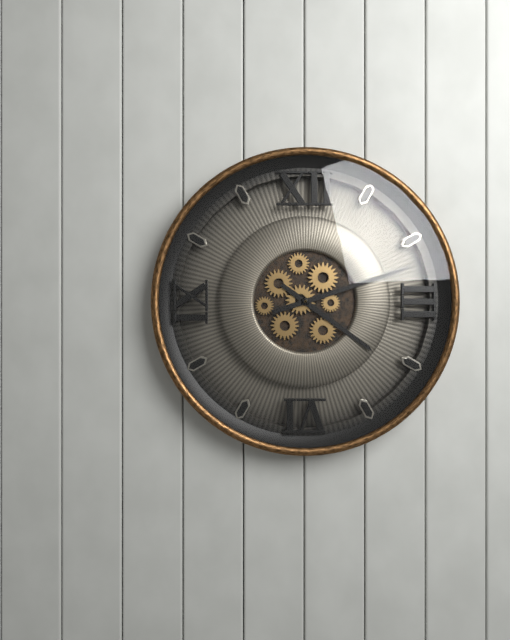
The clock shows 4 h 12 min
